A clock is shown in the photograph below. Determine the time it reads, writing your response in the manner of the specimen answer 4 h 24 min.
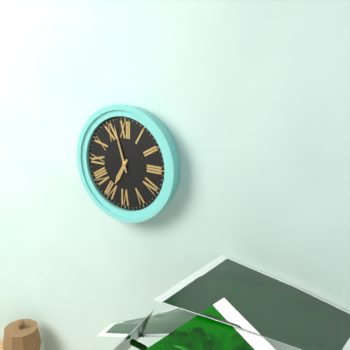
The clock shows 6 h 57 min
